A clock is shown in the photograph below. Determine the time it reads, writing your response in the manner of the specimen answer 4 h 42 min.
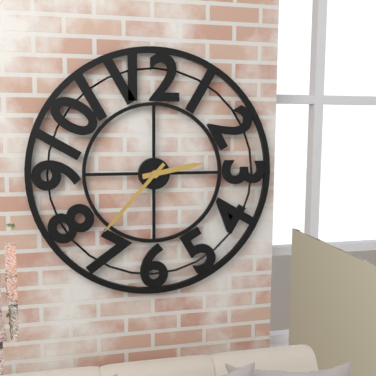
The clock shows 2 h 37 min
